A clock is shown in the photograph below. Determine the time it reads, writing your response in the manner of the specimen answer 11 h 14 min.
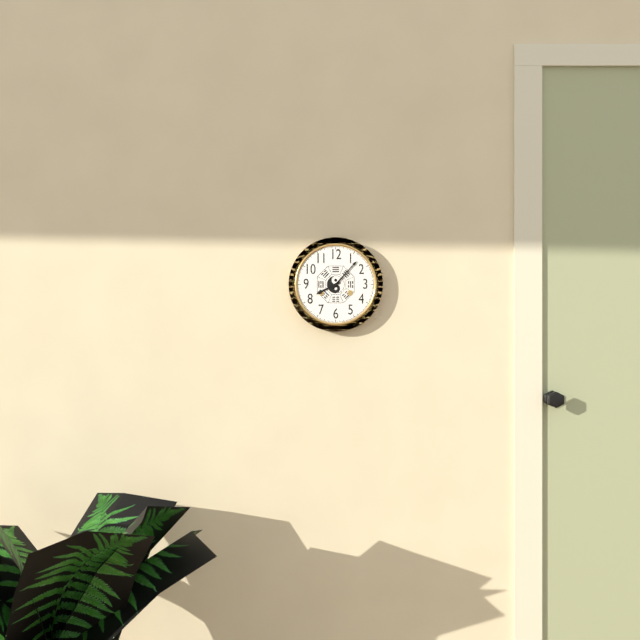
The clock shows 8 h 07 min
